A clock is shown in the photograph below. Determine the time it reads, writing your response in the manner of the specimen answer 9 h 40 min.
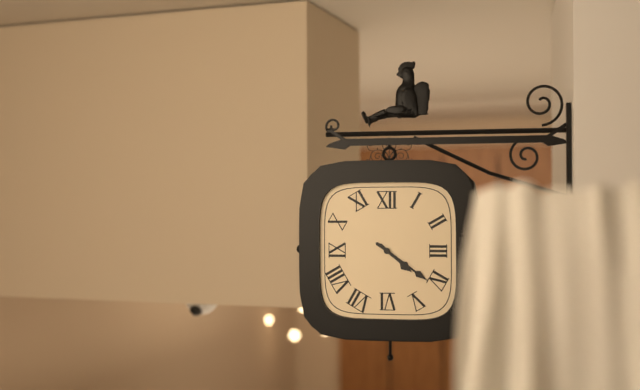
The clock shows 4 h 21 min
